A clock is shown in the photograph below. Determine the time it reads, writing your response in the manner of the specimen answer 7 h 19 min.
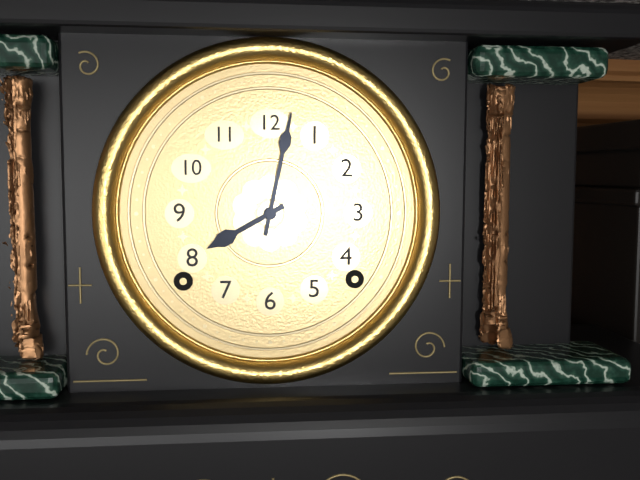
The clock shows 8 h 02 min
